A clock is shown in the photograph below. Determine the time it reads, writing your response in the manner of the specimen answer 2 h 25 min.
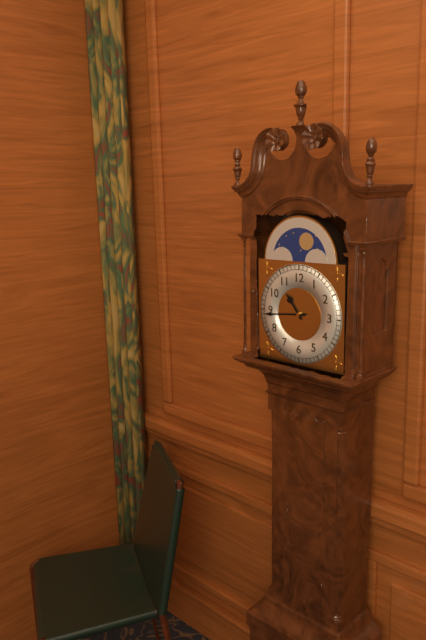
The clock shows 10 h 44 min
